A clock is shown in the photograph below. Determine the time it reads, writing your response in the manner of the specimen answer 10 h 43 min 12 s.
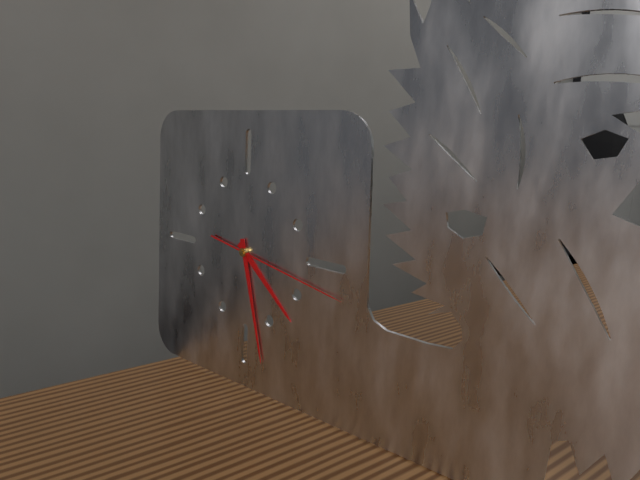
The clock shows 4 h 28 min 17 s
